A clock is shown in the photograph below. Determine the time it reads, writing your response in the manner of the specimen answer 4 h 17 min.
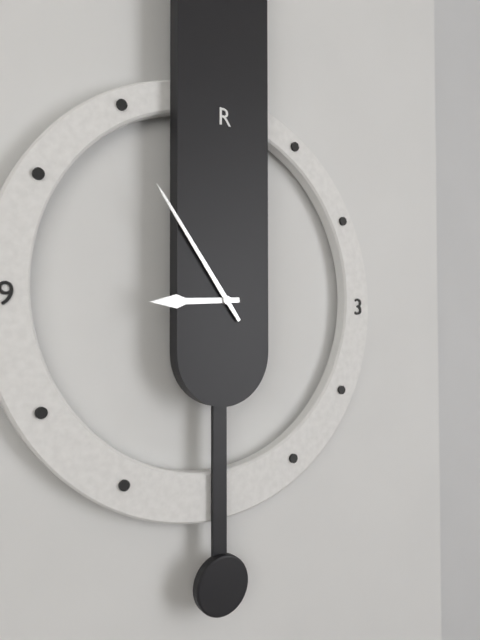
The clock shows 8 h 54 min
